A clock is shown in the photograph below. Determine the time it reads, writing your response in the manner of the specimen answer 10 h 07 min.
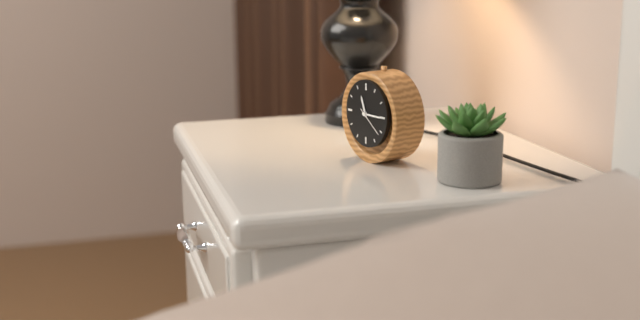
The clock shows 11 h 15 min
